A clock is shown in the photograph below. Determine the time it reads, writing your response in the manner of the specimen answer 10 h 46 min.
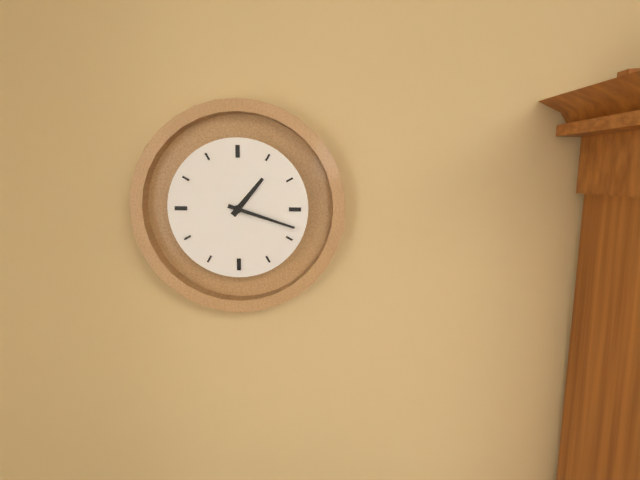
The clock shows 1 h 18 min
